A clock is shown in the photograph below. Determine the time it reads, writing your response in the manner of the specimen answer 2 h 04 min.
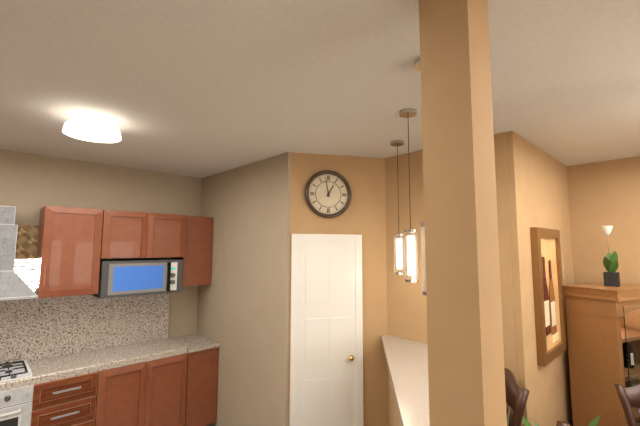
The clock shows 12 h 58 min
